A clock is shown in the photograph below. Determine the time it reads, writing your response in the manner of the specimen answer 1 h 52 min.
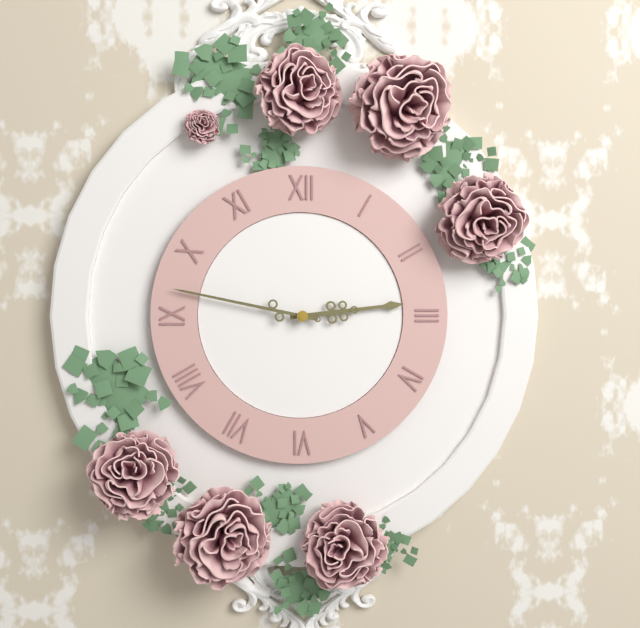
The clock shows 2 h 47 min
